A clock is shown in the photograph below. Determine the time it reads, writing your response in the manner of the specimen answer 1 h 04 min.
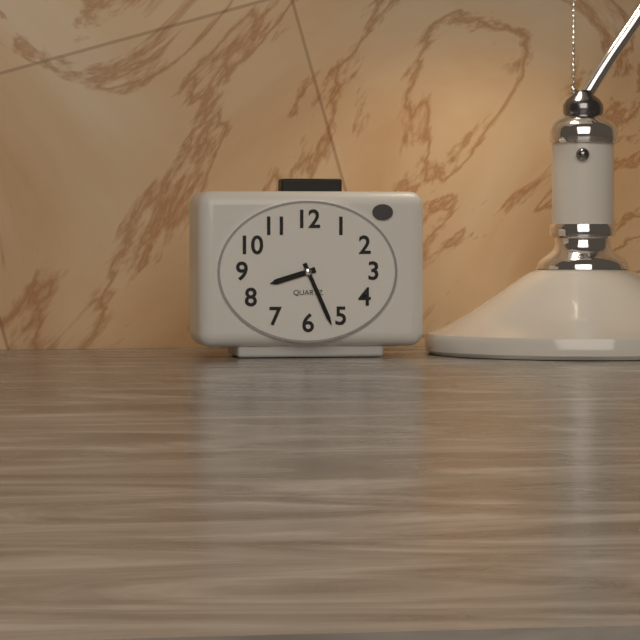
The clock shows 8 h 26 min
